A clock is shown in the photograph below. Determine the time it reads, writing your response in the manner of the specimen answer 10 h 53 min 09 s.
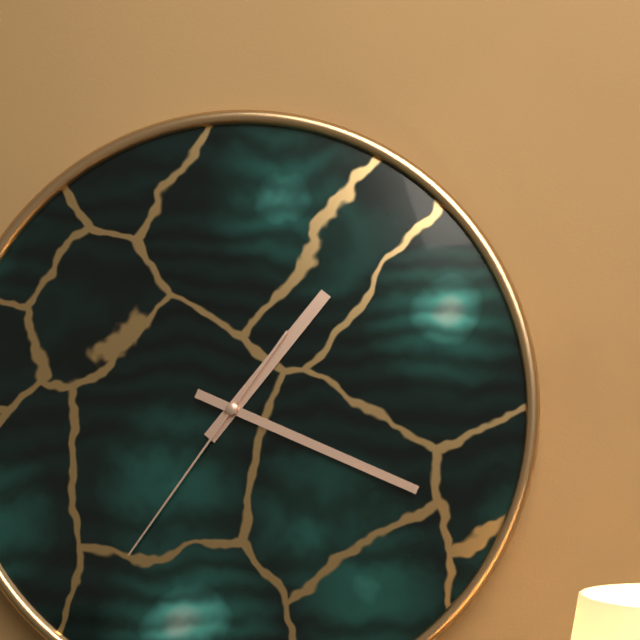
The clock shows 1 h 19 min 36 s
